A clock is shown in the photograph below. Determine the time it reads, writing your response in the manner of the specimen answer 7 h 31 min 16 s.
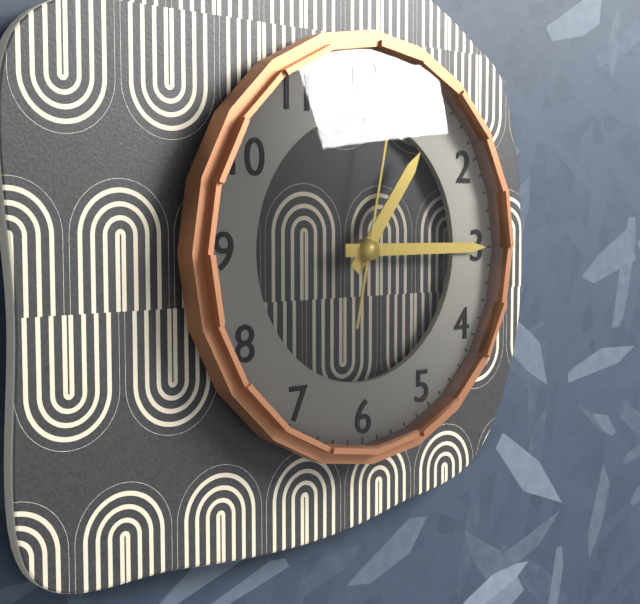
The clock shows 1 h 15 min 02 s
